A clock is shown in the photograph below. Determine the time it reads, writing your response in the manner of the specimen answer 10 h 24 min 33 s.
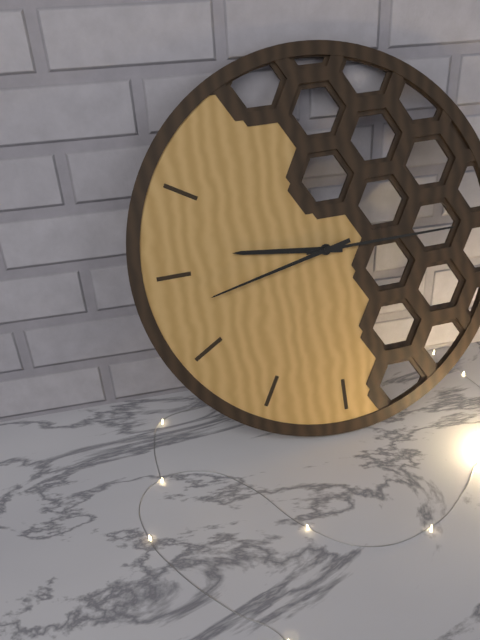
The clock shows 9 h 15 min 43 s
